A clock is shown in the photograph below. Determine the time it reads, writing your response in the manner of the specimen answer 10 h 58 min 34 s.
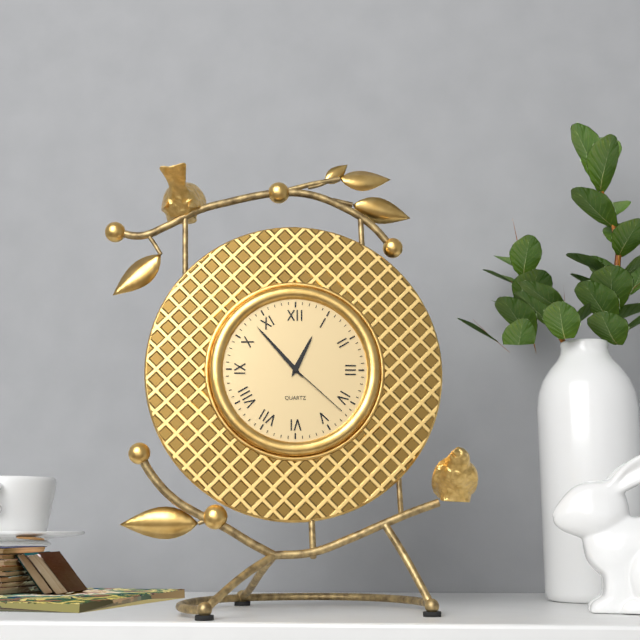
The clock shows 12 h 53 min 22 s
